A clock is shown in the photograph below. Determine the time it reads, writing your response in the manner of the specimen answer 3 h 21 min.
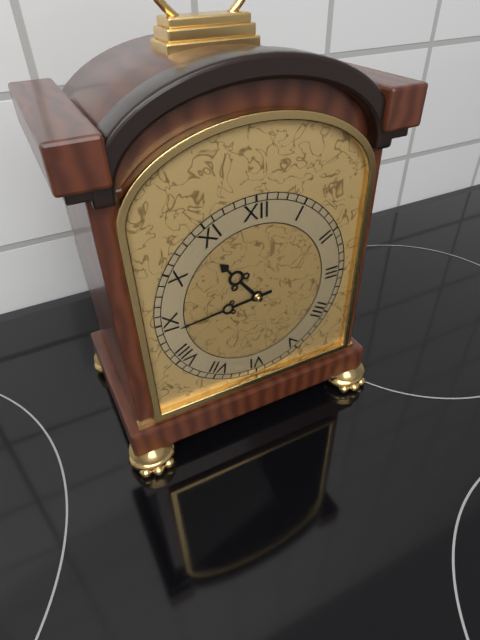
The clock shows 10 h 44 min
